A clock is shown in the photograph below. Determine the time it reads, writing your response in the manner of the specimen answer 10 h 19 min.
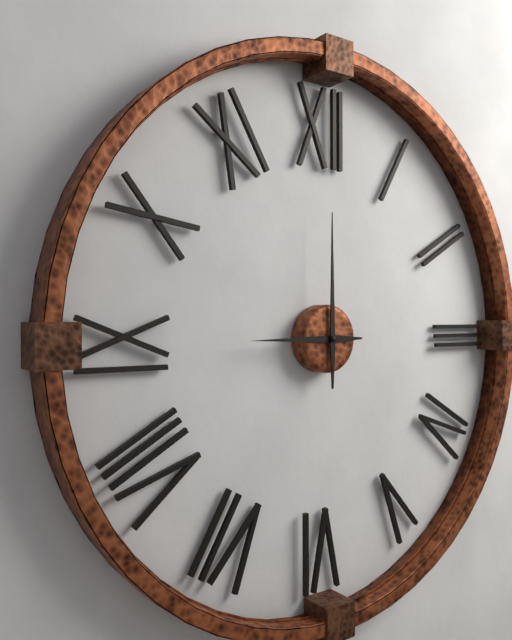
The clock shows 9 h 00 min
